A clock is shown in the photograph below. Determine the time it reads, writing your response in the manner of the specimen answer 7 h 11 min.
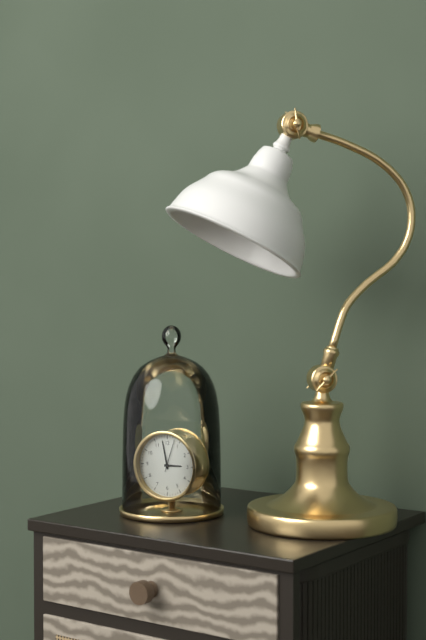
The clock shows 2 h 58 min
